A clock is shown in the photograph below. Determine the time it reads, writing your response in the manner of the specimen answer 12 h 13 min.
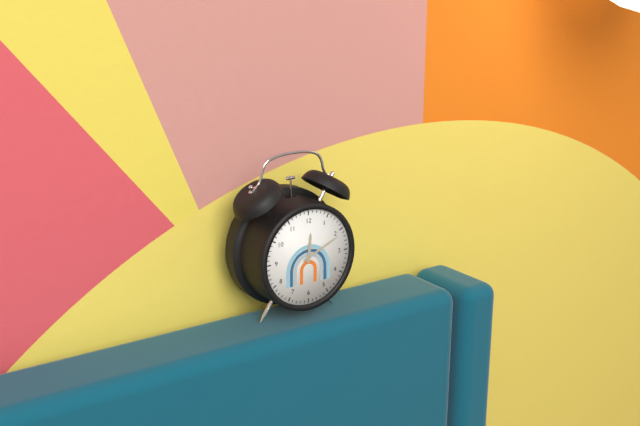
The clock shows 12 h 11 min
